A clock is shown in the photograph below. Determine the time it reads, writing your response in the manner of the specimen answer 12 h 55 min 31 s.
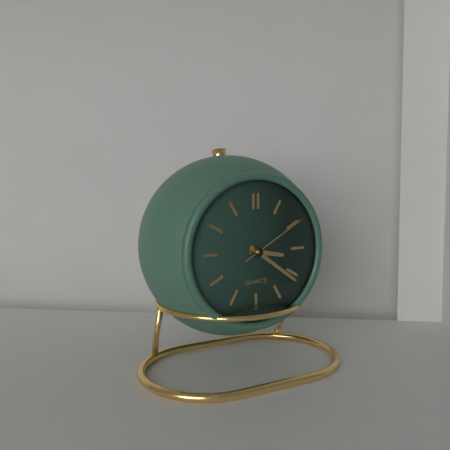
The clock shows 3 h 21 min 10 s
